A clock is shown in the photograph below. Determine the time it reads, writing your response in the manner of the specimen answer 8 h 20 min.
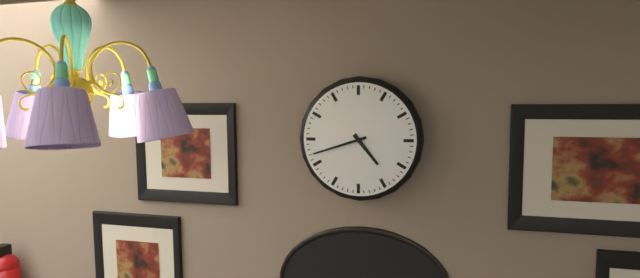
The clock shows 4 h 42 min
